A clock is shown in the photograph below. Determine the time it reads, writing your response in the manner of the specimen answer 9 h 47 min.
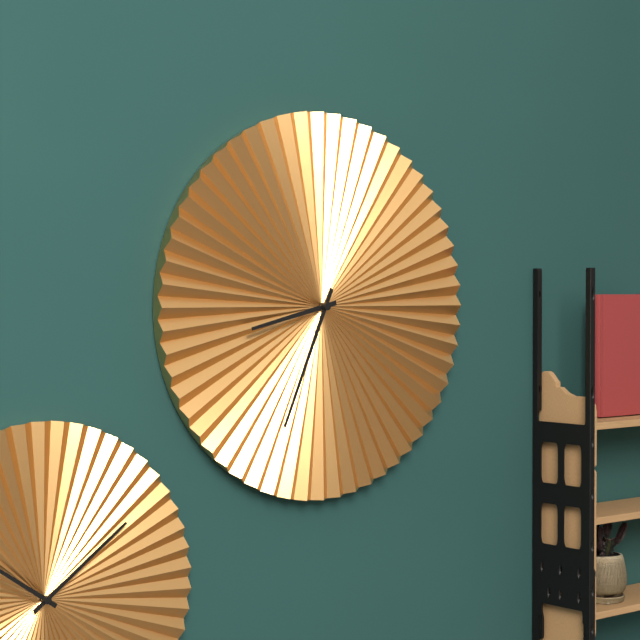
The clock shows 8 h 34 min
